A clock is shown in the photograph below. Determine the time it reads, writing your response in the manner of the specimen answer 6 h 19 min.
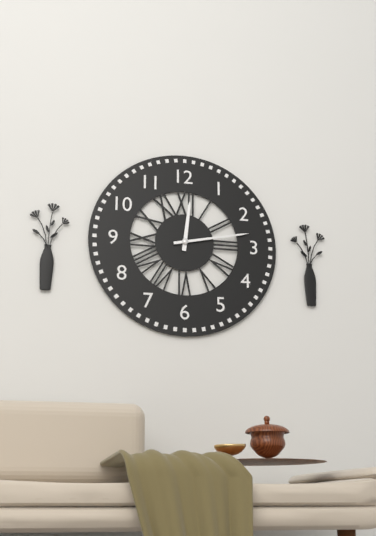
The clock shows 12 h 13 min
